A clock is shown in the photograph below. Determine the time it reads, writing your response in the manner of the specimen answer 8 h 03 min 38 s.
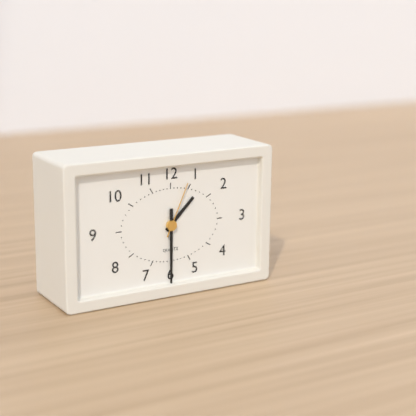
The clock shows 1 h 30 min 04 s
